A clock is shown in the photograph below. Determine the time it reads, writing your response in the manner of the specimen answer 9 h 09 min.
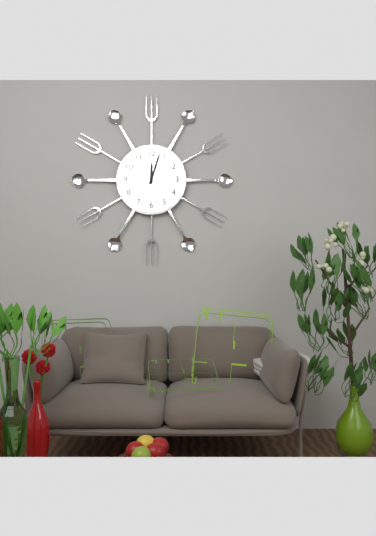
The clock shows 12 h 03 min
